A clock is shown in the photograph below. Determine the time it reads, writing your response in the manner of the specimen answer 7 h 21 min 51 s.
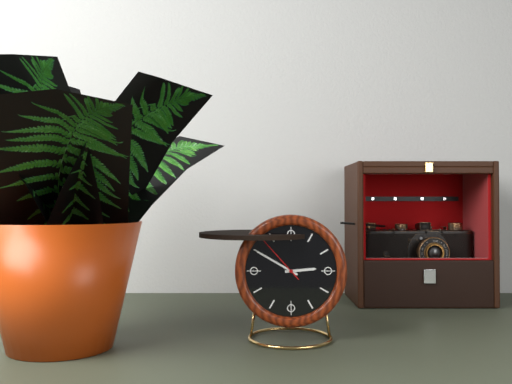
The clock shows 2 h 50 min 53 s
